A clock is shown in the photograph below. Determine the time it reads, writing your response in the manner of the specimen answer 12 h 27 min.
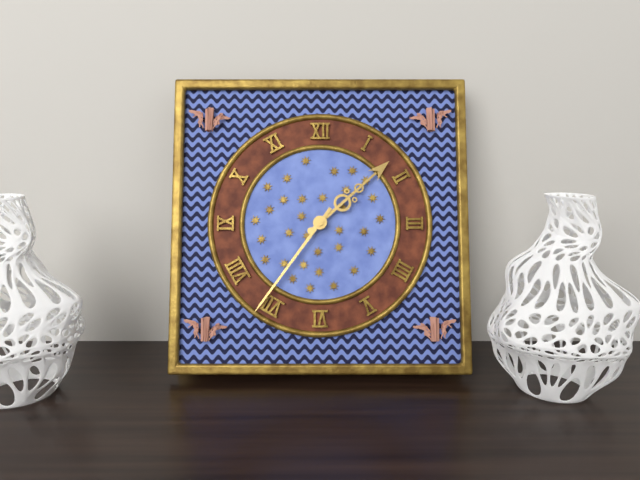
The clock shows 1 h 36 min
